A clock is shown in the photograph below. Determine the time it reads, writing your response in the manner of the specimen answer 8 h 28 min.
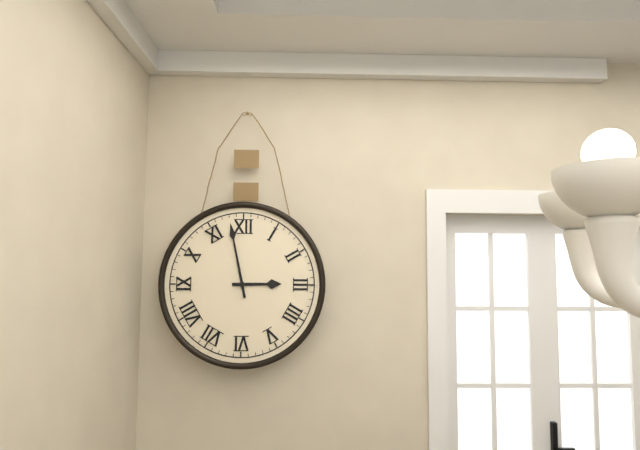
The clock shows 2 h 58 min
